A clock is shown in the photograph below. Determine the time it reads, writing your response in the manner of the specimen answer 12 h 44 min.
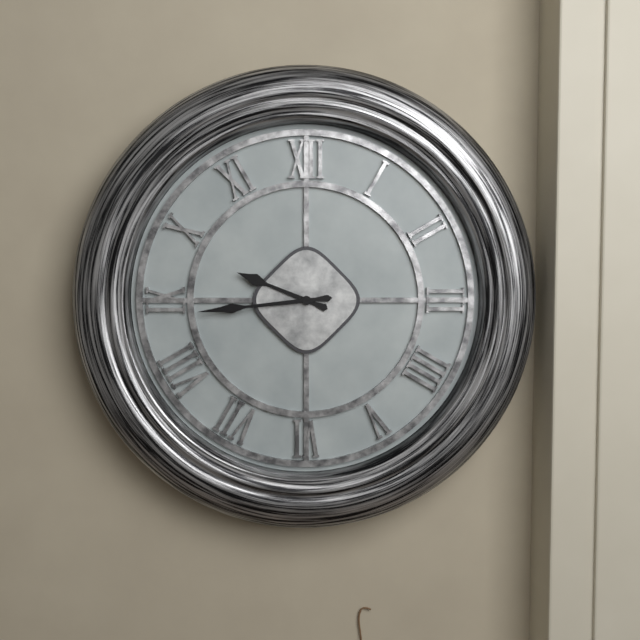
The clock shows 9 h 44 min
